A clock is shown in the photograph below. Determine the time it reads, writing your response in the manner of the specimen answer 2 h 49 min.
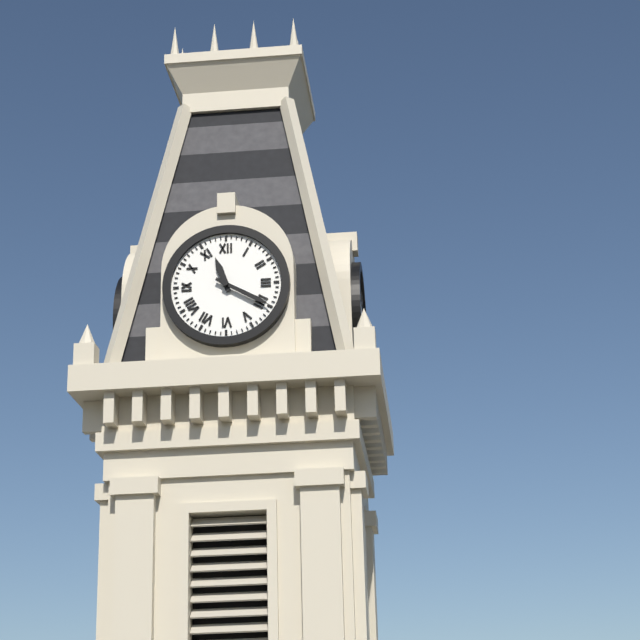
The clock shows 11 h 20 min
